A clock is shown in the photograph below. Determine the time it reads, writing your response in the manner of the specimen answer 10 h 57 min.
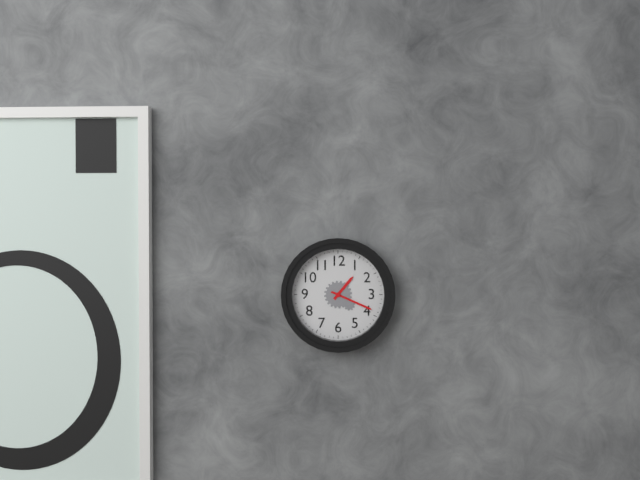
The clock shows 1 h 19 min
